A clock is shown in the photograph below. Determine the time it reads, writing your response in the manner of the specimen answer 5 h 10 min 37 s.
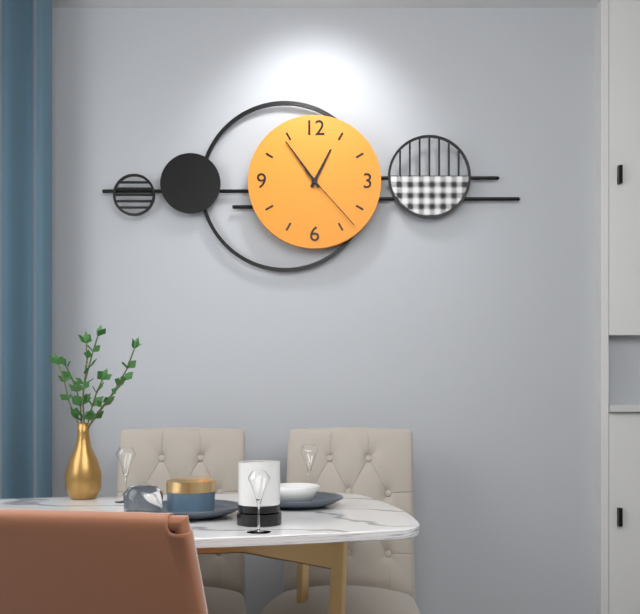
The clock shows 12 h 54 min 23 s
